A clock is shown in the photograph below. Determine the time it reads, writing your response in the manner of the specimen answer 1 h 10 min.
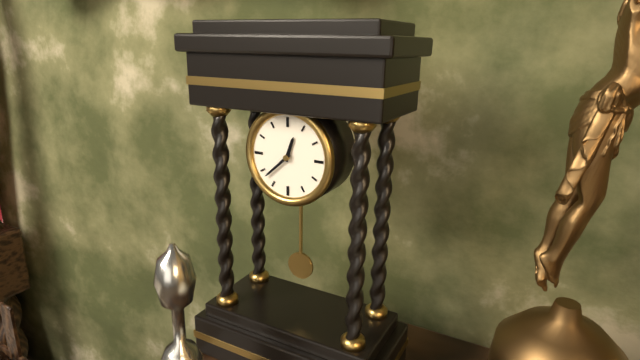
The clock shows 12 h 38 min
